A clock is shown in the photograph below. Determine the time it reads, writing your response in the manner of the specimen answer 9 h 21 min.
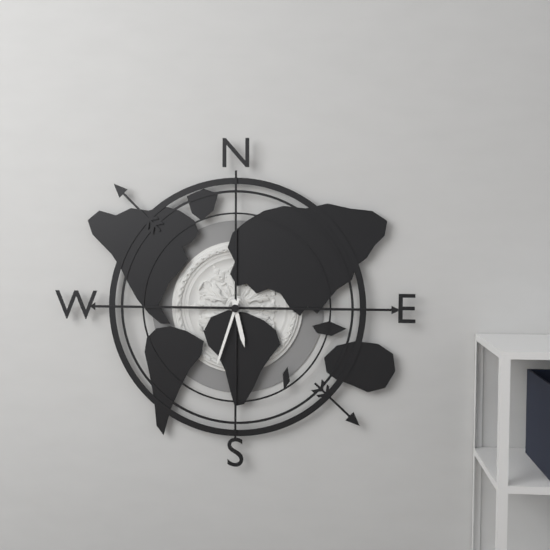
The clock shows 5 h 33 min
